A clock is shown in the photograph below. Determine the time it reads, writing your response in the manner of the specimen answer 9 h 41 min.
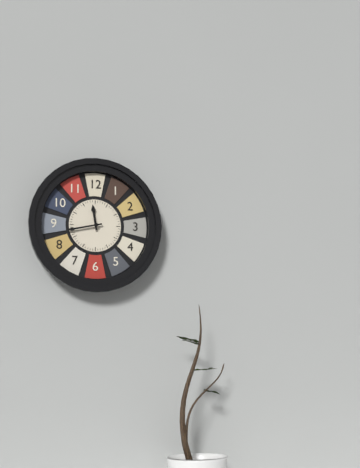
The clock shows 11 h 43 min
